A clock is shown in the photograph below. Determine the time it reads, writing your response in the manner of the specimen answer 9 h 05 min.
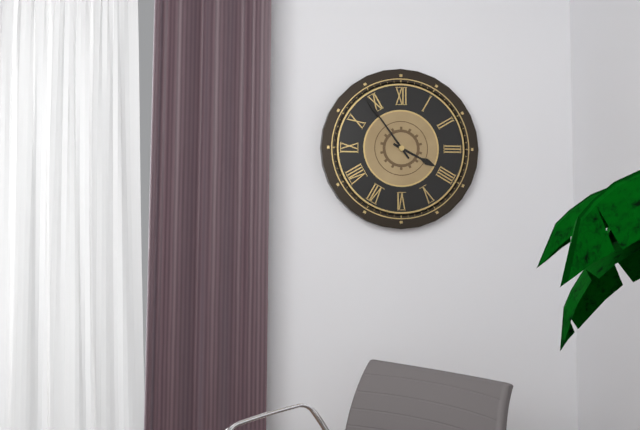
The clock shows 3 h 54 min
